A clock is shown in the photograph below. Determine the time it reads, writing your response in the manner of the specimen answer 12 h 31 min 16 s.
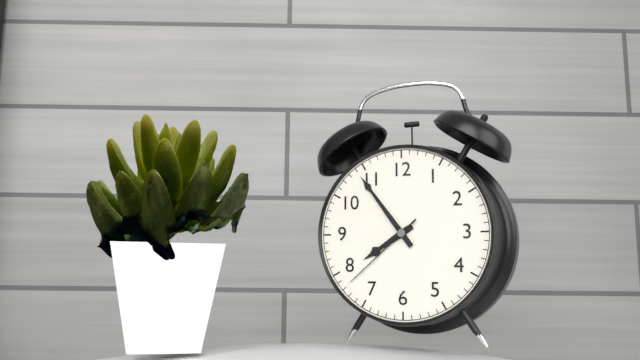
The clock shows 7 h 54 min 38 s
